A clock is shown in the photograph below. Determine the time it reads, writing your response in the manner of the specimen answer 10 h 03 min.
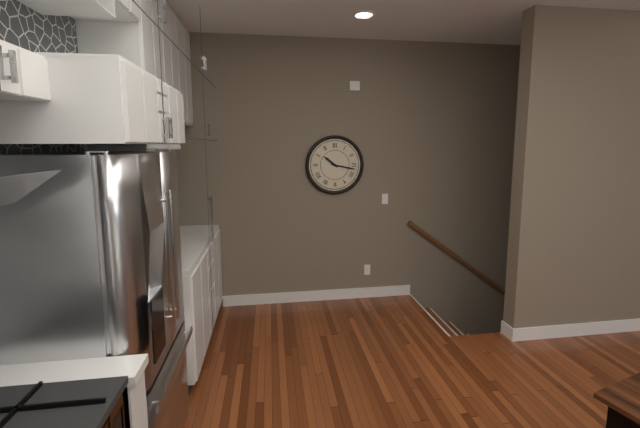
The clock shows 10 h 17 min
